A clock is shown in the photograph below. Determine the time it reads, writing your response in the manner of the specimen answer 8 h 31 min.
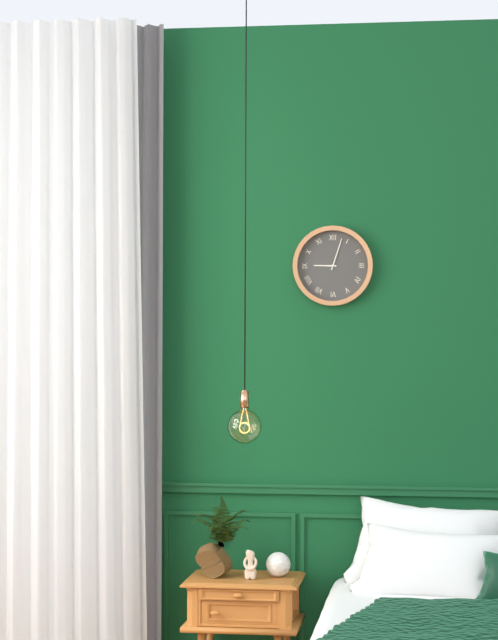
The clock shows 9 h 03 min
